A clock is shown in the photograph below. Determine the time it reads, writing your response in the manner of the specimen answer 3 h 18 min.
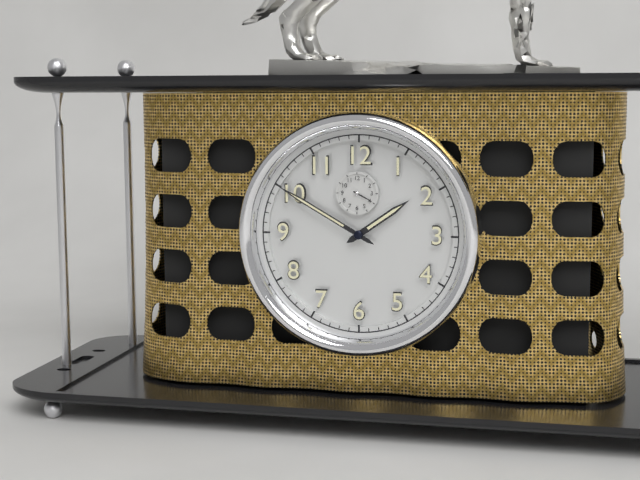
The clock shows 1 h 50 min
